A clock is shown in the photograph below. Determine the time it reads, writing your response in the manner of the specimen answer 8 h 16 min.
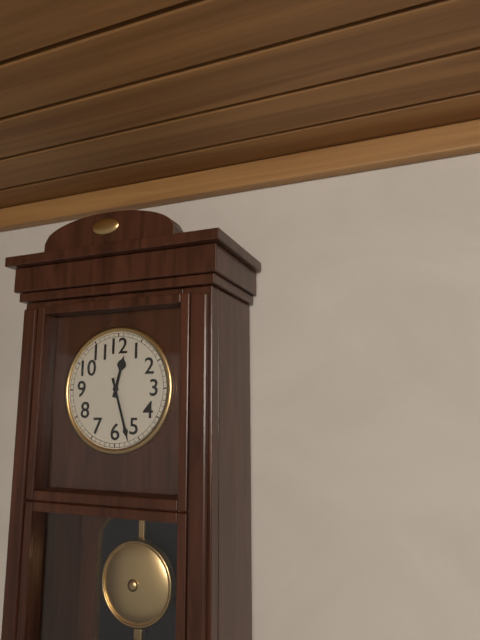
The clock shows 12 h 27 min
